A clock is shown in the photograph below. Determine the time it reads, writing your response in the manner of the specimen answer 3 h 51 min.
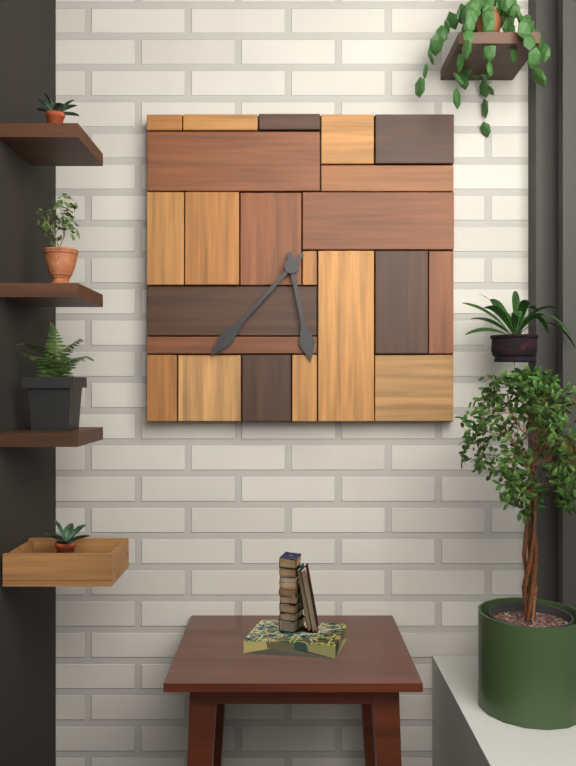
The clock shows 5 h 37 min
